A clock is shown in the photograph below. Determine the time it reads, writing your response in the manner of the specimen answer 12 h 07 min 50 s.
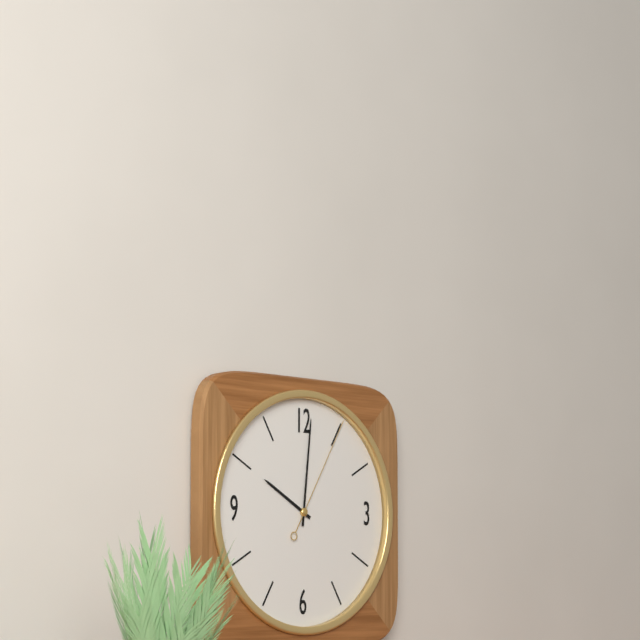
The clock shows 10 h 01 min 05 s
